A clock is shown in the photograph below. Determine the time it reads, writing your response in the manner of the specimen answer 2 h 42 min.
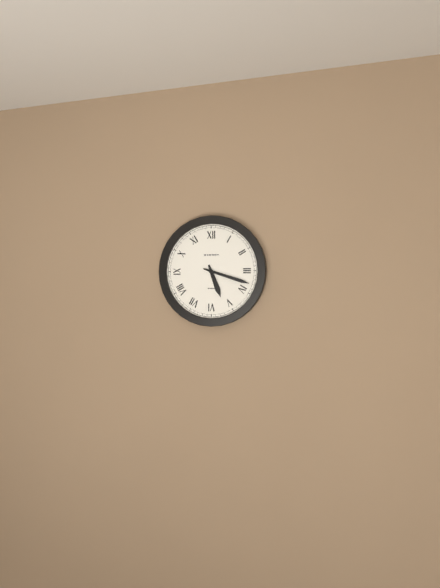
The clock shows 5 h 18 min
